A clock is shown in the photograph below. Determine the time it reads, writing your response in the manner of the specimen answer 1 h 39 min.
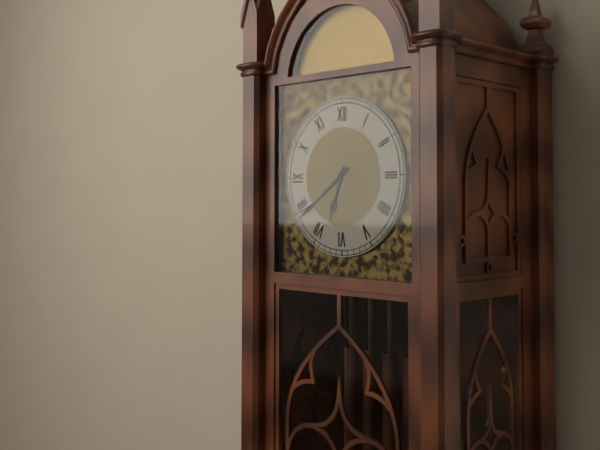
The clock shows 6 h 39 min
